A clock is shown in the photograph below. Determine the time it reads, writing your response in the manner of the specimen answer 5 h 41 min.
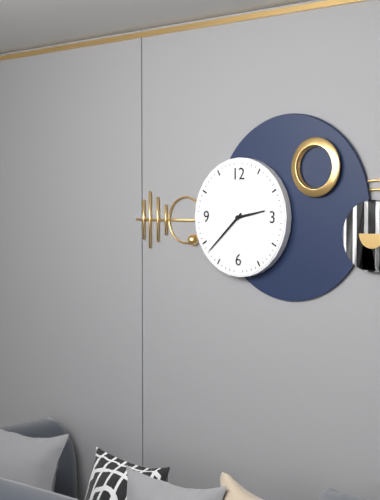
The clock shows 2 h 38 min
